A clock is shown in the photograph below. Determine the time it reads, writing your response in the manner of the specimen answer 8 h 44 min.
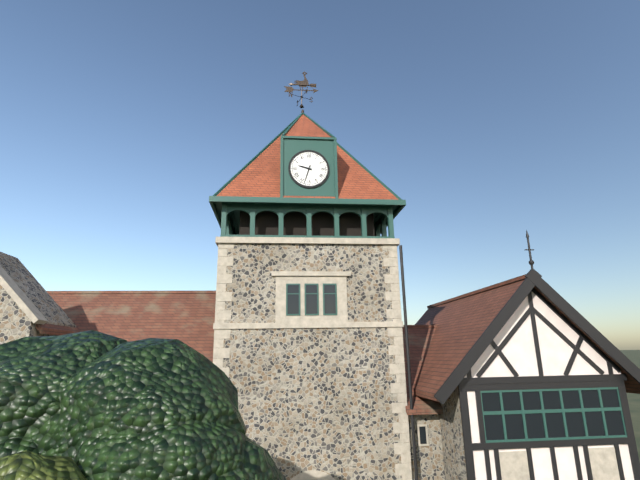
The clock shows 9 h 33 min
